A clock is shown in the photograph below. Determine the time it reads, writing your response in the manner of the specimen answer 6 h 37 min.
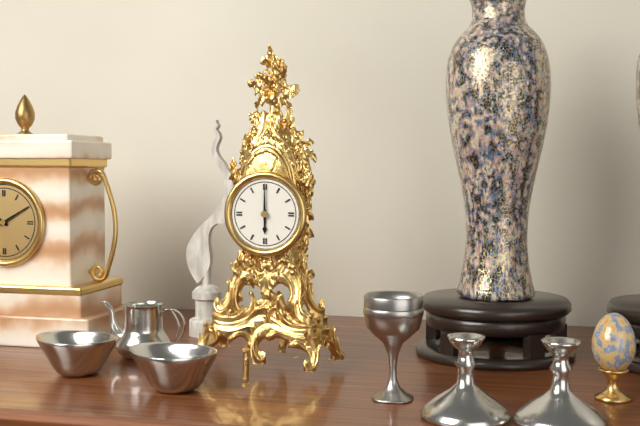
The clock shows 6 h 00 min
